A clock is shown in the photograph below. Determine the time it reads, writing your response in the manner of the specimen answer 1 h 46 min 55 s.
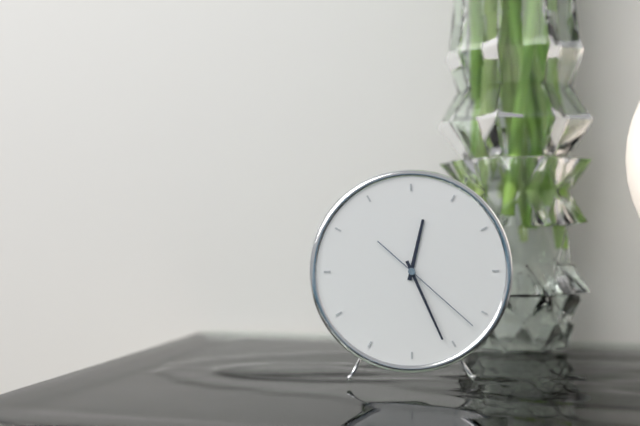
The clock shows 12 h 26 min 22 s
